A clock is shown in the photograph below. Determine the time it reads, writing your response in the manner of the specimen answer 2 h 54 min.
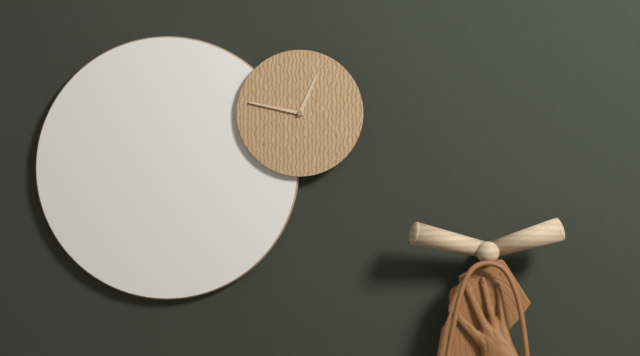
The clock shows 12 h 47 min
